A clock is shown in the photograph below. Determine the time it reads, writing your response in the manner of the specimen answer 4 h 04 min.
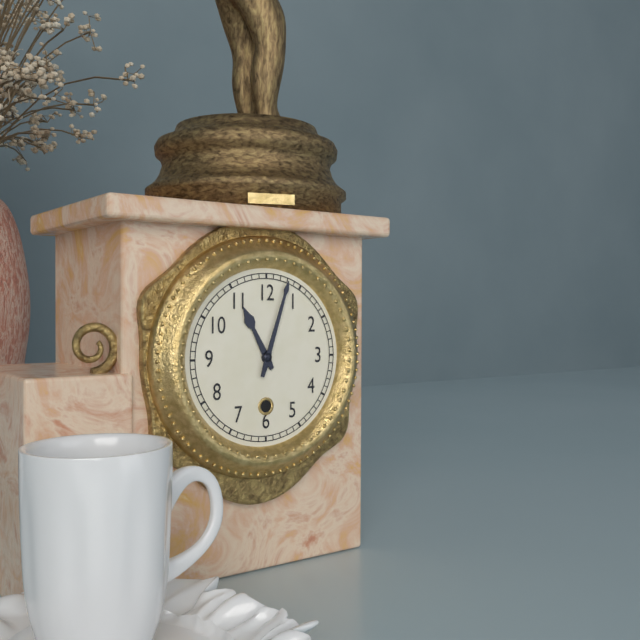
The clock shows 11 h 03 min
